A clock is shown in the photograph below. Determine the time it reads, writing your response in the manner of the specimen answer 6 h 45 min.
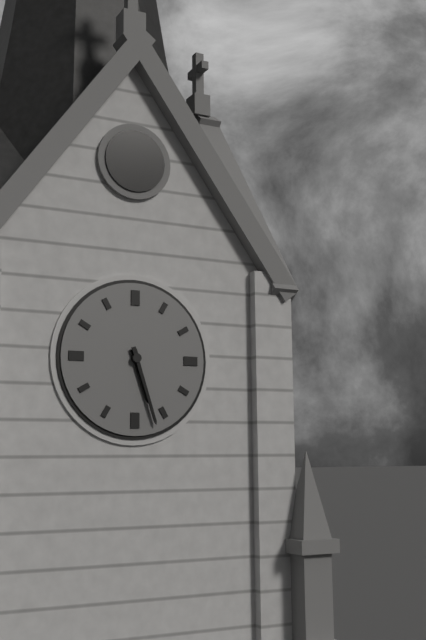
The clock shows 5 h 27 min
